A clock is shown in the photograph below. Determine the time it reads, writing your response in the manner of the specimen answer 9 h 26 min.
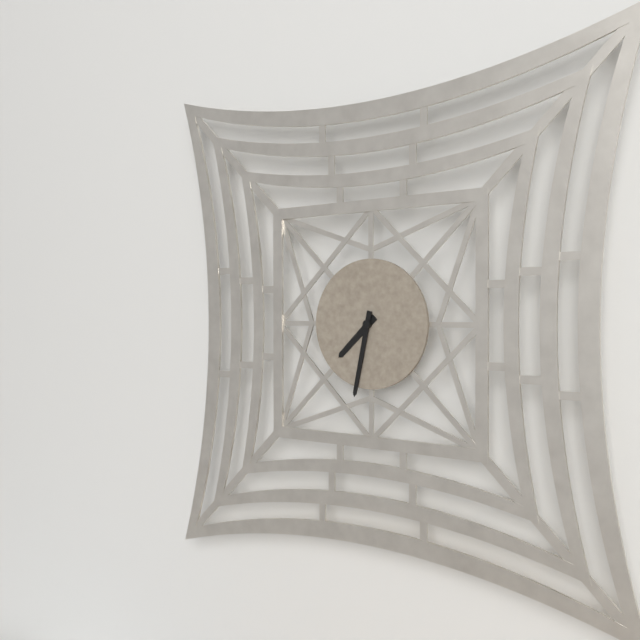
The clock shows 7 h 32 min
